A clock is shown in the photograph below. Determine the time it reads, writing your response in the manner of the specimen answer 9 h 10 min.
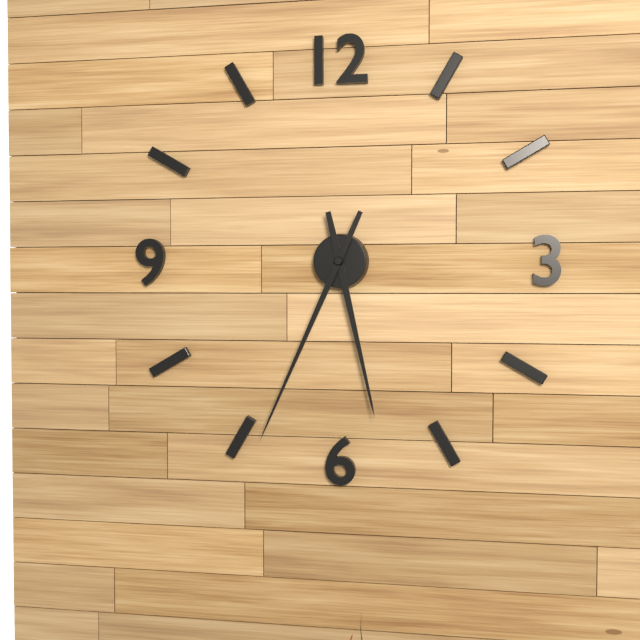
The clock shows 5 h 34 min
